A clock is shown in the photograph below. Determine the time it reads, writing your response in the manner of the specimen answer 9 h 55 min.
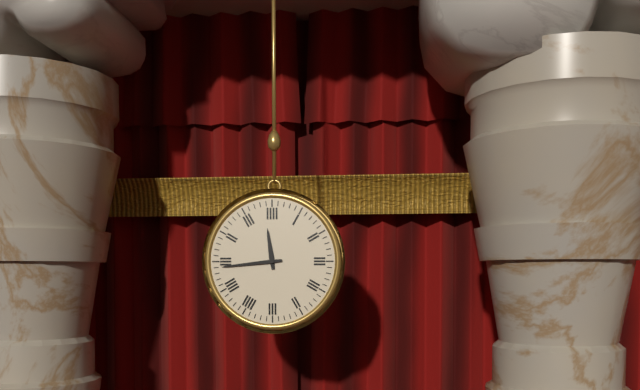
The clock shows 11 h 44 min
